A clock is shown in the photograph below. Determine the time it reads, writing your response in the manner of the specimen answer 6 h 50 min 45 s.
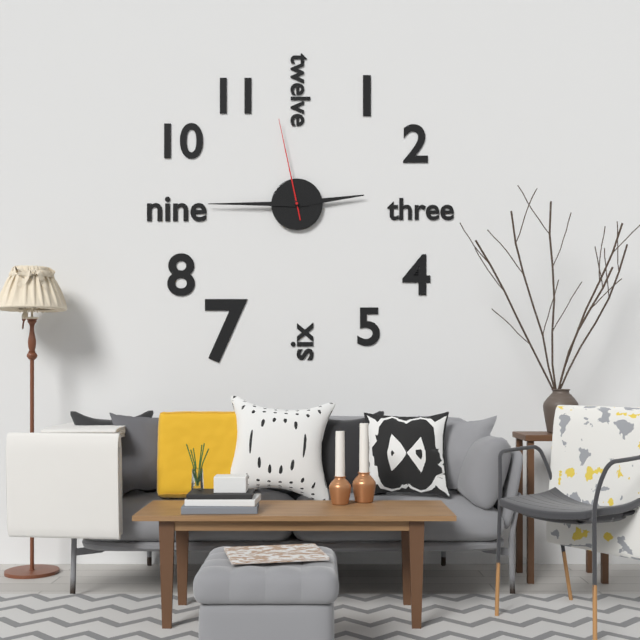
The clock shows 2 h 45 min 58 s
